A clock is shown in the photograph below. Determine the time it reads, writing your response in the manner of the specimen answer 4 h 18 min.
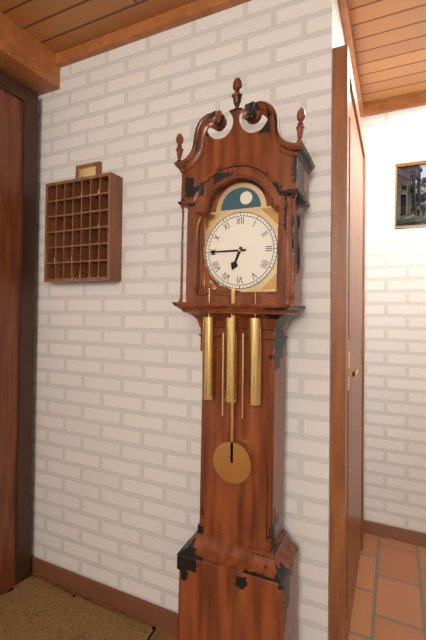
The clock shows 6 h 45 min
